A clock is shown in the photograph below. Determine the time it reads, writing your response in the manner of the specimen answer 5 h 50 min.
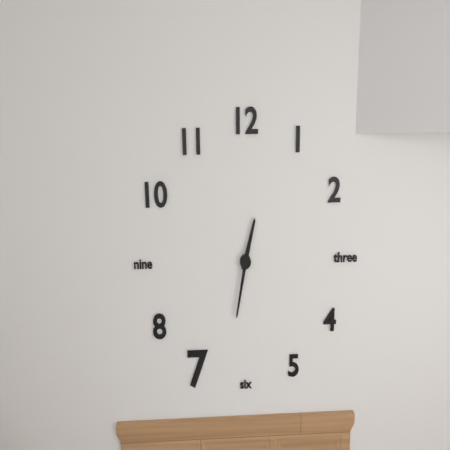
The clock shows 12 h 32 min
